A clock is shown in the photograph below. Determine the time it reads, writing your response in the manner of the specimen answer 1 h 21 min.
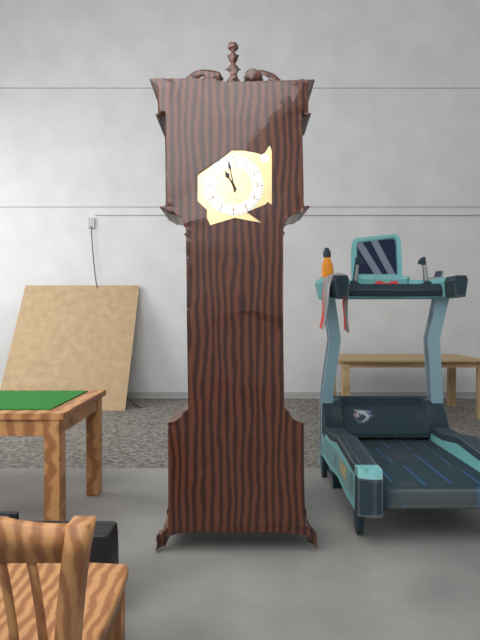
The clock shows 10 h 58 min
